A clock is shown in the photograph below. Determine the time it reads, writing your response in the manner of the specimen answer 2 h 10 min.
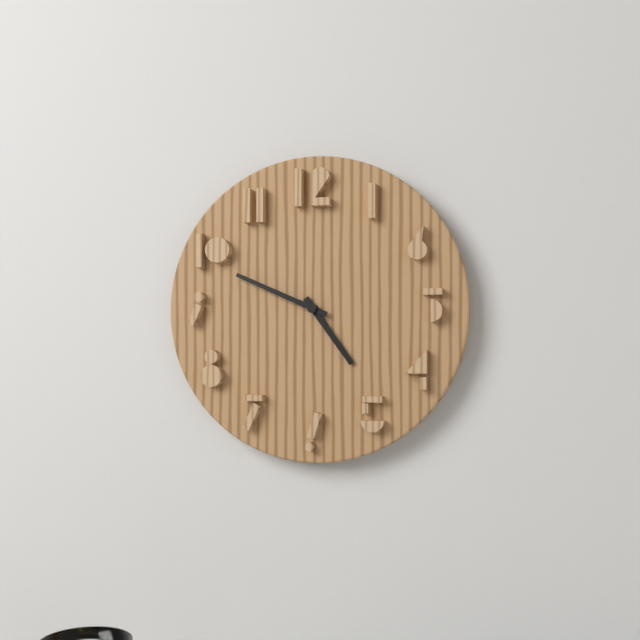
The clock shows 4 h 49 min
